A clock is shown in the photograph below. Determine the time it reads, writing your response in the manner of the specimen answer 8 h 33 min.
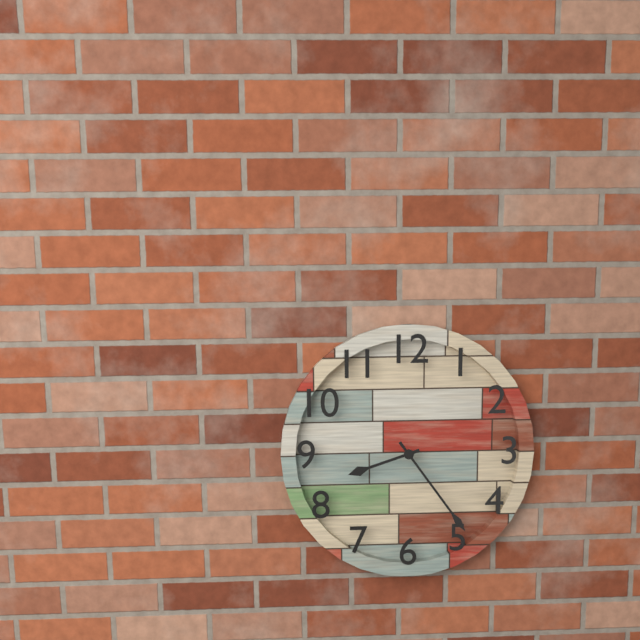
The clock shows 8 h 24 min
